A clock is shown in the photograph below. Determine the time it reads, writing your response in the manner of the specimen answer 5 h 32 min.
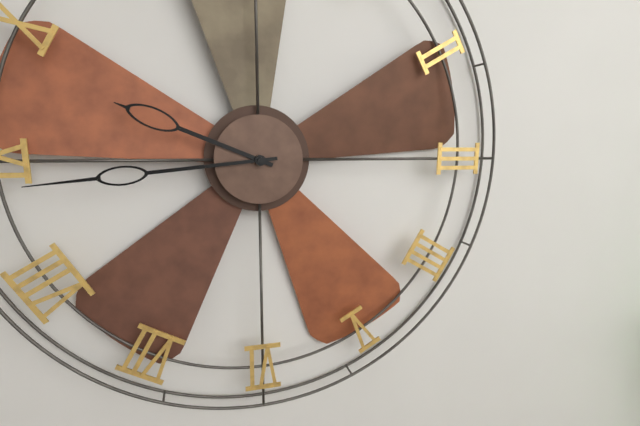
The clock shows 9 h 44 min
